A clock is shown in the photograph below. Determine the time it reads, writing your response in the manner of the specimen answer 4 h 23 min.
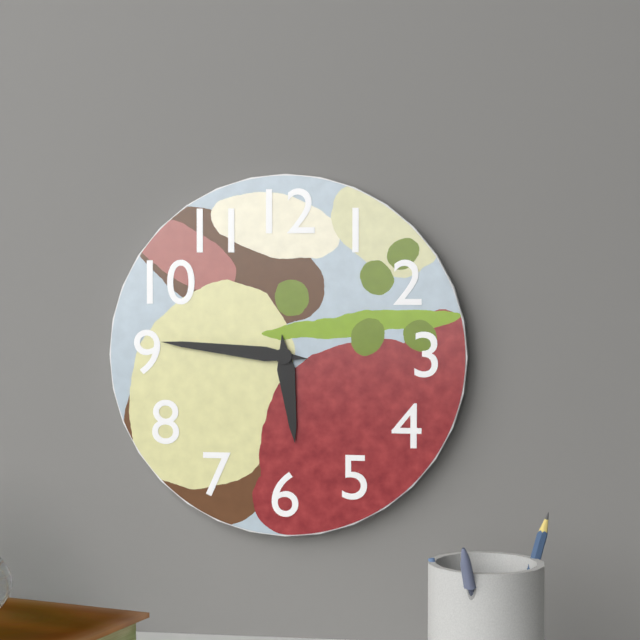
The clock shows 5 h 46 min
